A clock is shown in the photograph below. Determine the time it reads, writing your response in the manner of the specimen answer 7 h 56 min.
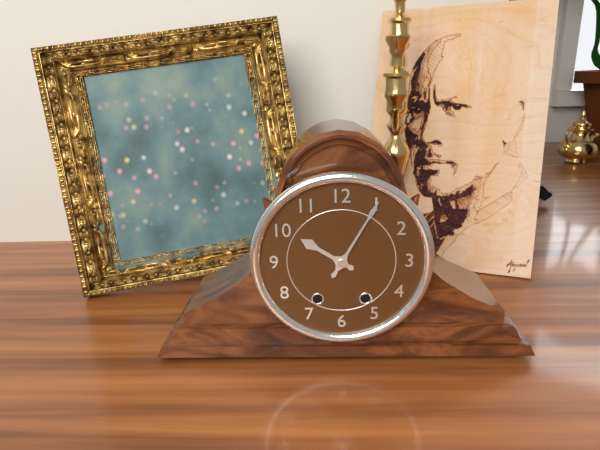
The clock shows 10 h 05 min
